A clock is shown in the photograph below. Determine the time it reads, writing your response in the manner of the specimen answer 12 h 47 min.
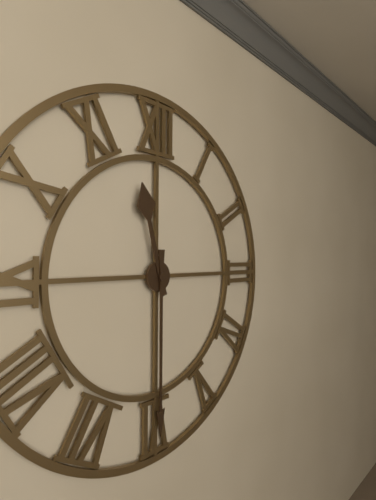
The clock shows 11 h 30 min
